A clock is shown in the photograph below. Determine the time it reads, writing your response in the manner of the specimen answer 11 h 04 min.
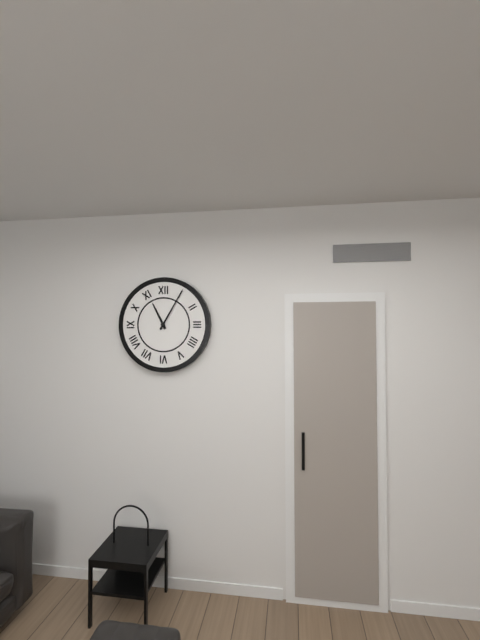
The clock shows 11 h 05 min
